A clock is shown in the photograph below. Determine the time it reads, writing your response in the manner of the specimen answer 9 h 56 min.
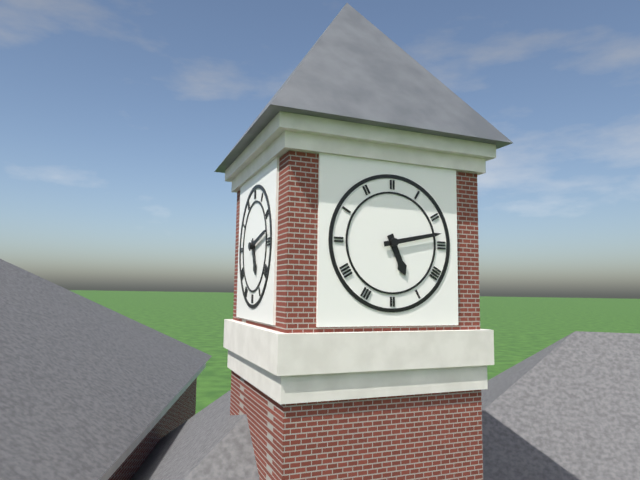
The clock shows 5 h 13 min
